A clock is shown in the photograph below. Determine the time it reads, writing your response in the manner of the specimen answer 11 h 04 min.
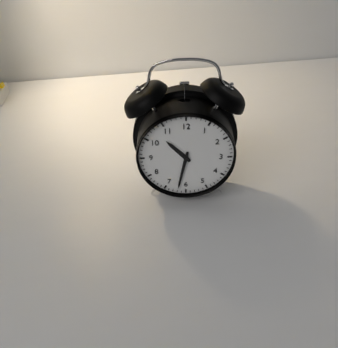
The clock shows 10 h 32 min
